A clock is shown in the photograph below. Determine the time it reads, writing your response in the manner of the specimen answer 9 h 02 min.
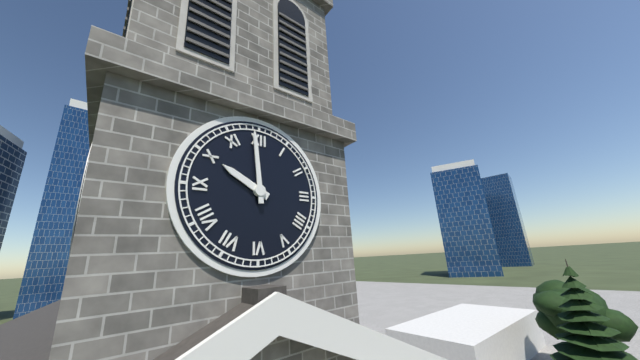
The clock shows 9 h 59 min
